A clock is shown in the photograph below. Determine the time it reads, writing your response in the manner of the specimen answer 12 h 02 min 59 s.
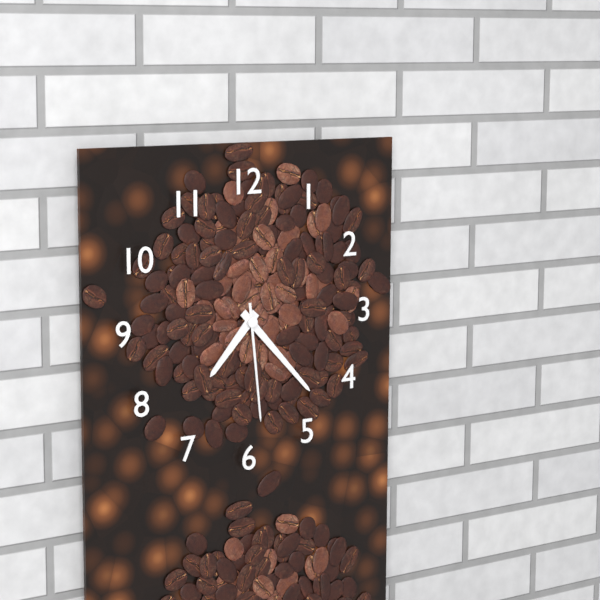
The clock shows 7 h 23 min 29 s
